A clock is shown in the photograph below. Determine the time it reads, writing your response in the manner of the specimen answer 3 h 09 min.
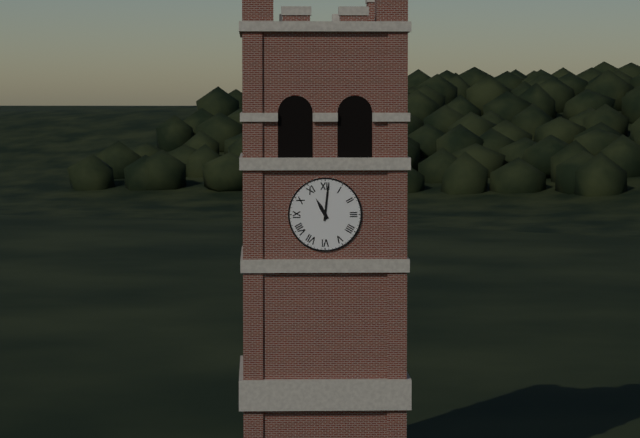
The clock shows 11 h 01 min
